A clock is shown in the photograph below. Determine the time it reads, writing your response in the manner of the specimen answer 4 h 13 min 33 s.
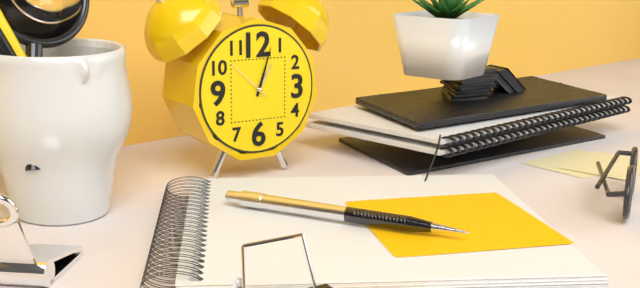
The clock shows 1 h 03 min 52 s
